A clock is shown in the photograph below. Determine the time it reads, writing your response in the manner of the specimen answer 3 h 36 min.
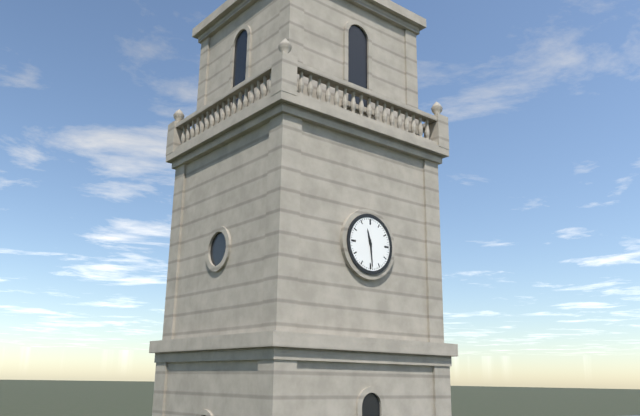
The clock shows 11 h 29 min
